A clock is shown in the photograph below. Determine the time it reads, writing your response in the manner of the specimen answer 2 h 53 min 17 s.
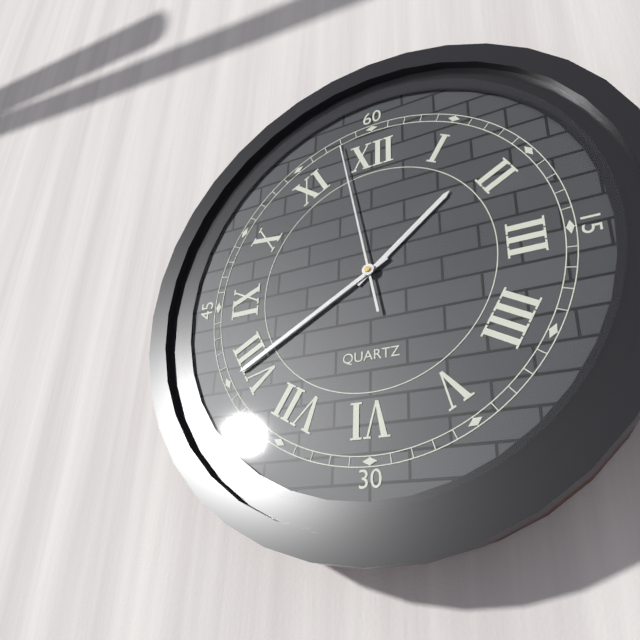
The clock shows 1 h 40 min 58 s
